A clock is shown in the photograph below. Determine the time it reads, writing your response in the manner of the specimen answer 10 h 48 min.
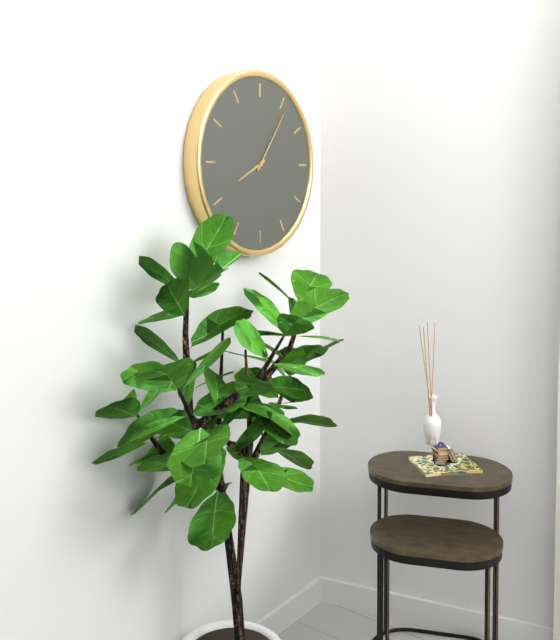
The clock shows 8 h 06 min
